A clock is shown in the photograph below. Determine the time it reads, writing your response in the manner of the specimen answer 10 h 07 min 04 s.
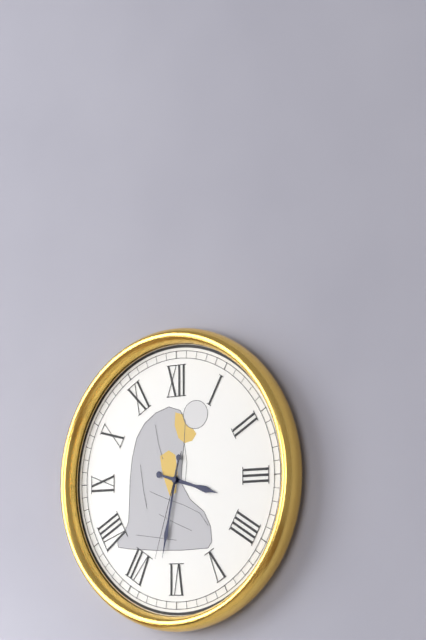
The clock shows 3 h 32 min 33 s
